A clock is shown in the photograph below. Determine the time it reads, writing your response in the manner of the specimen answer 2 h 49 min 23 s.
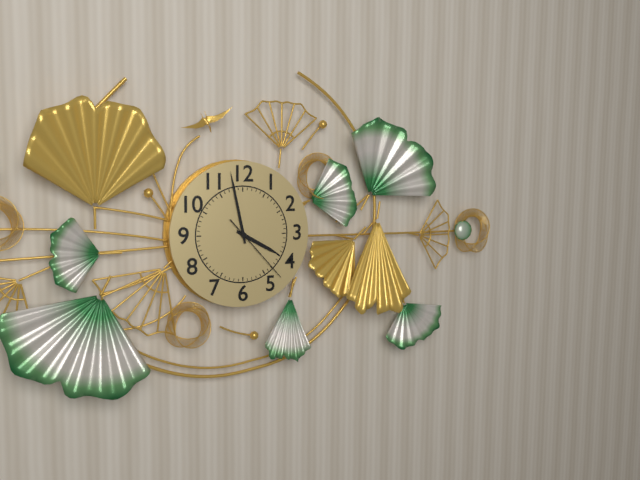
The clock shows 3 h 58 min 23 s
